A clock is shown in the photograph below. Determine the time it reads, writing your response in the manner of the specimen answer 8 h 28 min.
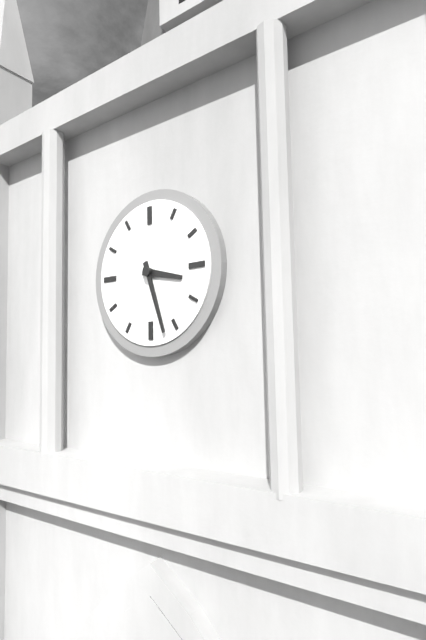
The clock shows 3 h 27 min
